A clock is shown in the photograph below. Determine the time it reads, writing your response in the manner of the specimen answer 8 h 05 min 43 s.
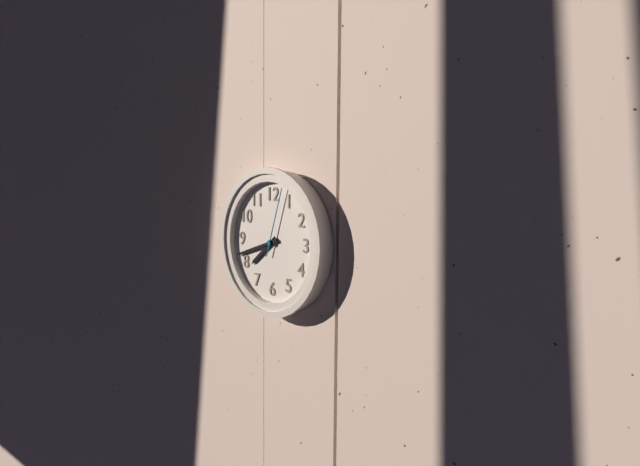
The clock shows 7 h 42 min 03 s
